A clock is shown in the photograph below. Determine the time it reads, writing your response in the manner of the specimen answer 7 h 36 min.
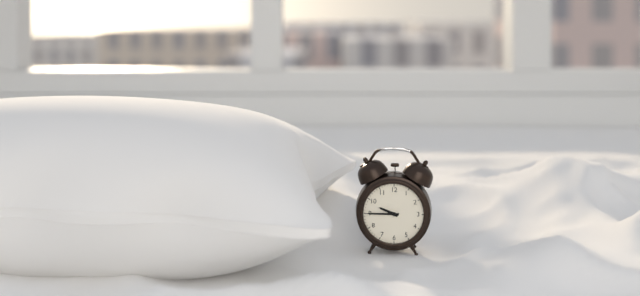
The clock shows 9 h 45 min
